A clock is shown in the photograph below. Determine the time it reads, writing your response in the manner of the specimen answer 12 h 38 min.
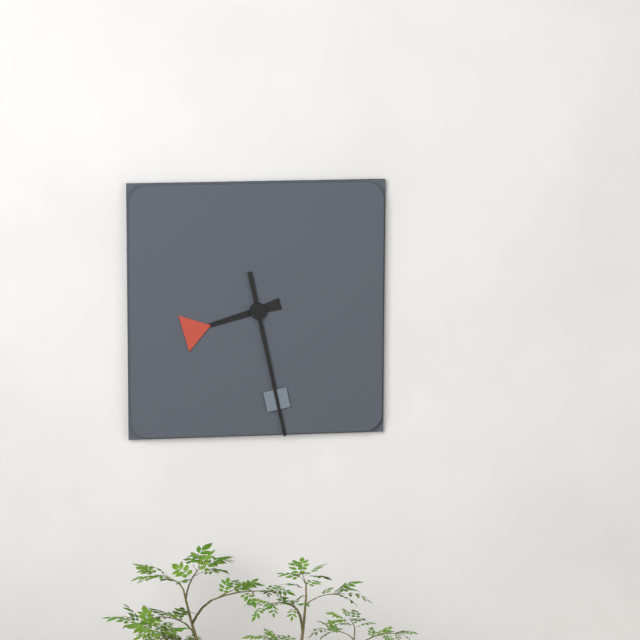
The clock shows 8 h 28 min
